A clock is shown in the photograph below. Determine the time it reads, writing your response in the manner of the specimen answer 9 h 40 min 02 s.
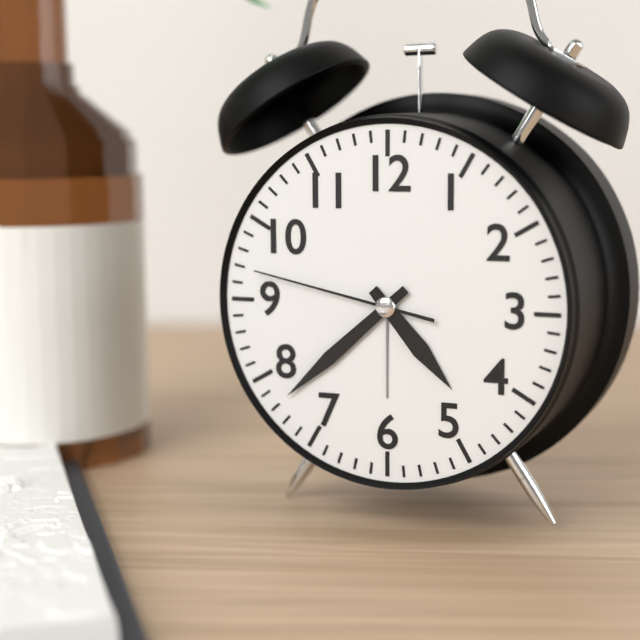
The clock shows 4 h 38 min 47 s
